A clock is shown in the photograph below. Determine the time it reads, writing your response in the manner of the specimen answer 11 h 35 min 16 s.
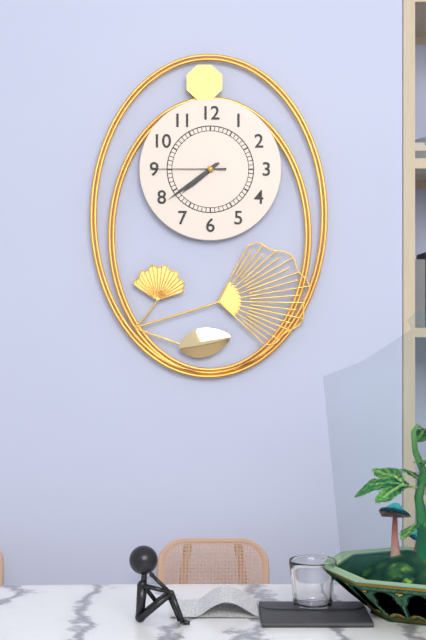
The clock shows 7 h 39 min 45 s
